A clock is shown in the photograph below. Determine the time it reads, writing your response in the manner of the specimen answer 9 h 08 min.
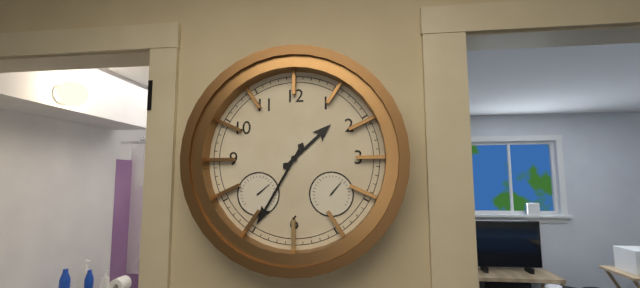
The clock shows 1 h 35 min
